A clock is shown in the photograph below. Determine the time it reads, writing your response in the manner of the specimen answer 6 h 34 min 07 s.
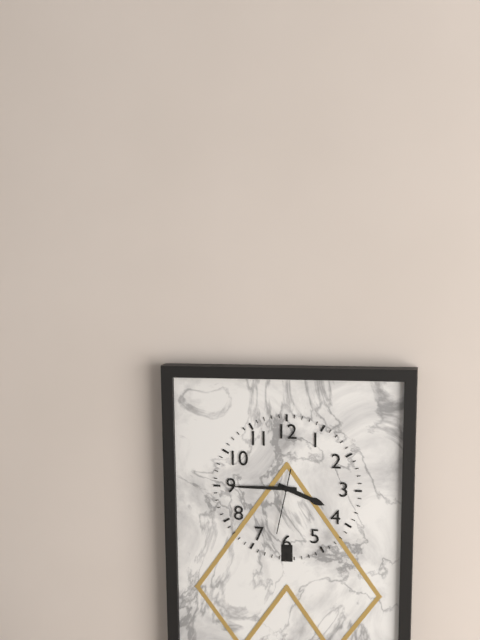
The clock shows 3 h 45 min 32 s
